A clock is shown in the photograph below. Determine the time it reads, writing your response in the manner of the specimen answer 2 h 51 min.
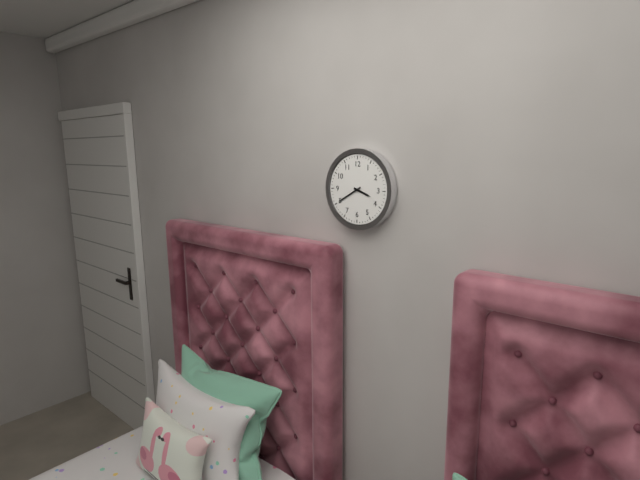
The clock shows 3 h 40 min
